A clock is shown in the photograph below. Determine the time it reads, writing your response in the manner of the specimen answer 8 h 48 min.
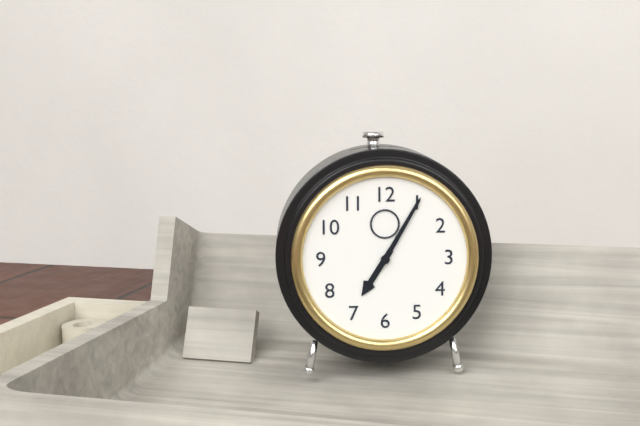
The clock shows 7 h 05 min
